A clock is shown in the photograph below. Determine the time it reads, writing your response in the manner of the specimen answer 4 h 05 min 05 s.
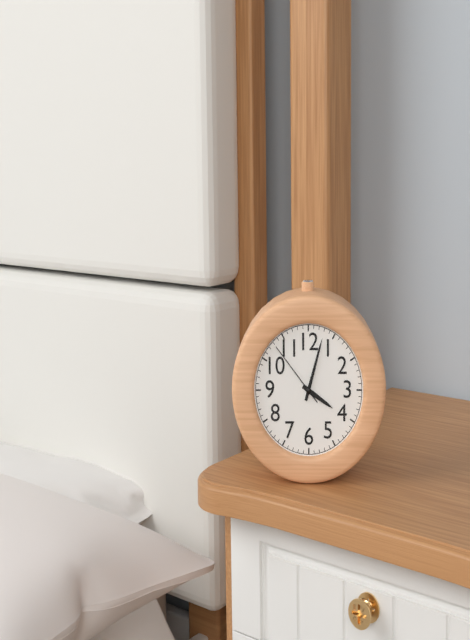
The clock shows 4 h 03 min 53 s
